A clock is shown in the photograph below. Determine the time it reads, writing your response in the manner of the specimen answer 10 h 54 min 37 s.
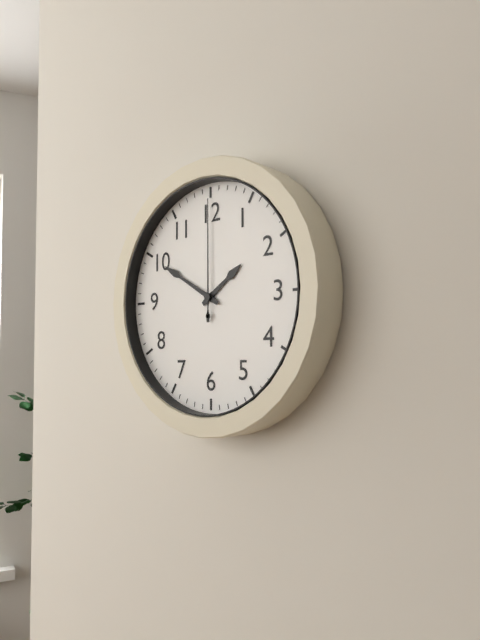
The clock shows 1 h 50 min 00 s
